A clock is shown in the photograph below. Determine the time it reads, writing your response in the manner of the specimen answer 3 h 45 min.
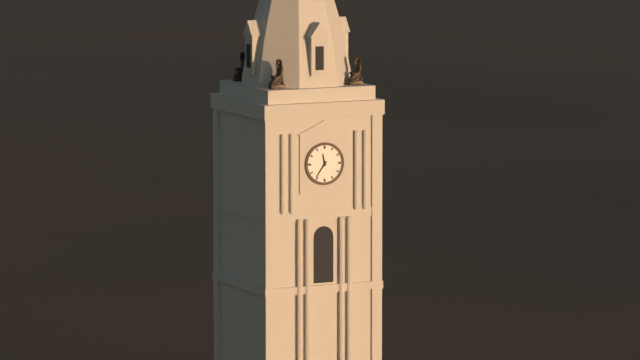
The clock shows 11 h 36 min
